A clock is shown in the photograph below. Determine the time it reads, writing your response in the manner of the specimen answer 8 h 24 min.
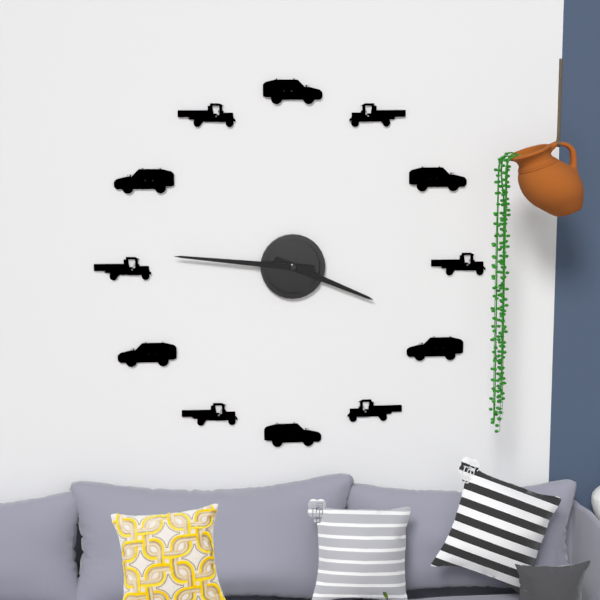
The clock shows 3 h 46 min
